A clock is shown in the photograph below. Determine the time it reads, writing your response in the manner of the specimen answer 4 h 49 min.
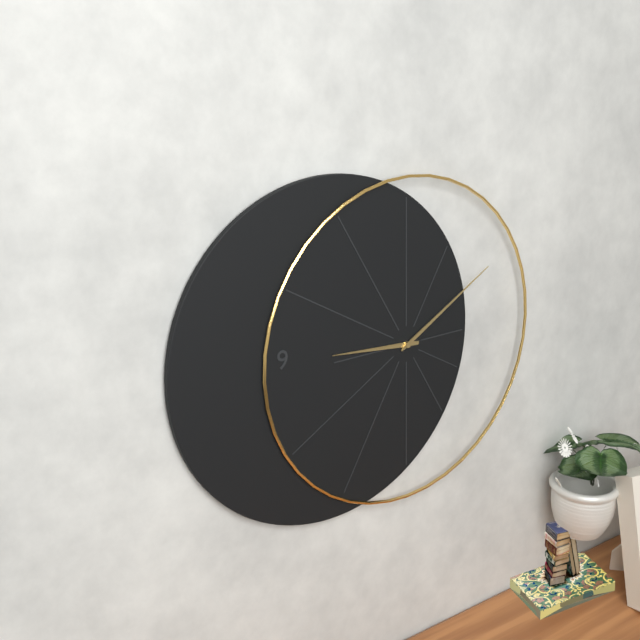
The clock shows 9 h 10 min
